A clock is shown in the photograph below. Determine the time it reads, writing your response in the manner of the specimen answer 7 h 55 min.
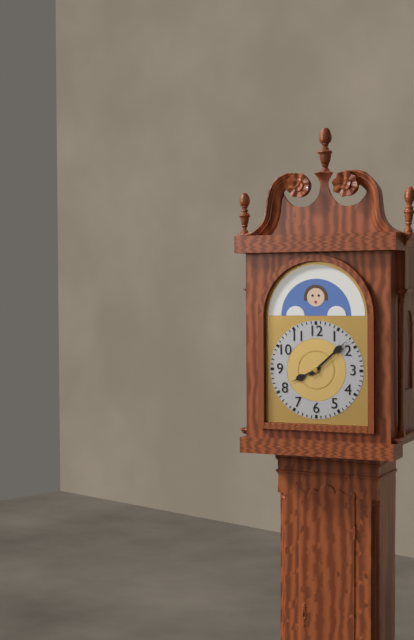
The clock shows 8 h 08 min
